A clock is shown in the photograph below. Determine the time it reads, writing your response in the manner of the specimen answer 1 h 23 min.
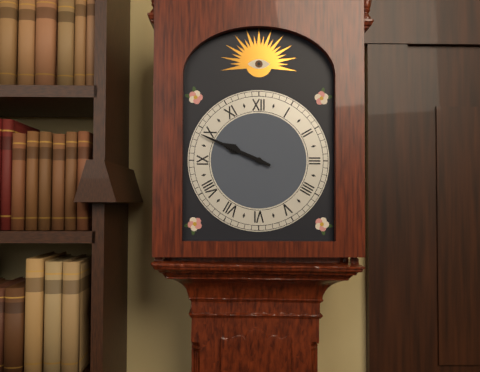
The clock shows 9 h 49 min
